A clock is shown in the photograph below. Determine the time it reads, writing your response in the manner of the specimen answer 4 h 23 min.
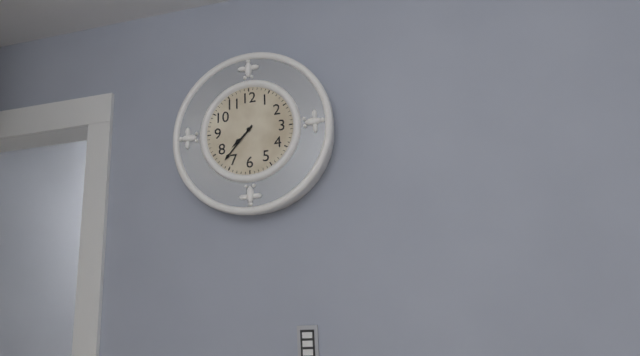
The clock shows 7 h 37 min
